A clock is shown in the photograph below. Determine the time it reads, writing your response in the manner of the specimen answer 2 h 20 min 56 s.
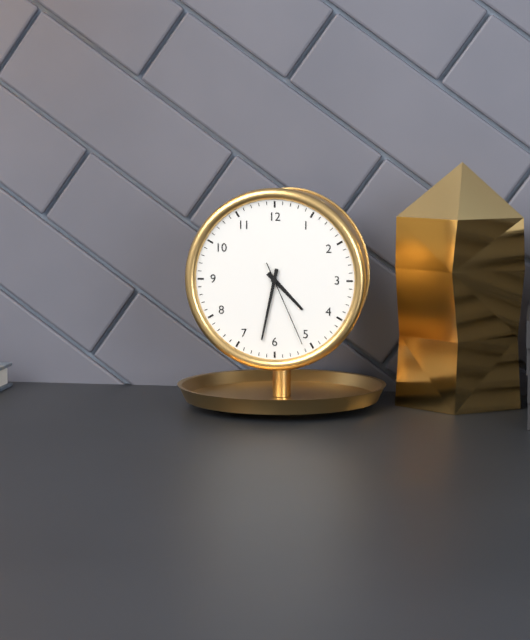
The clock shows 4 h 32 min 26 s
